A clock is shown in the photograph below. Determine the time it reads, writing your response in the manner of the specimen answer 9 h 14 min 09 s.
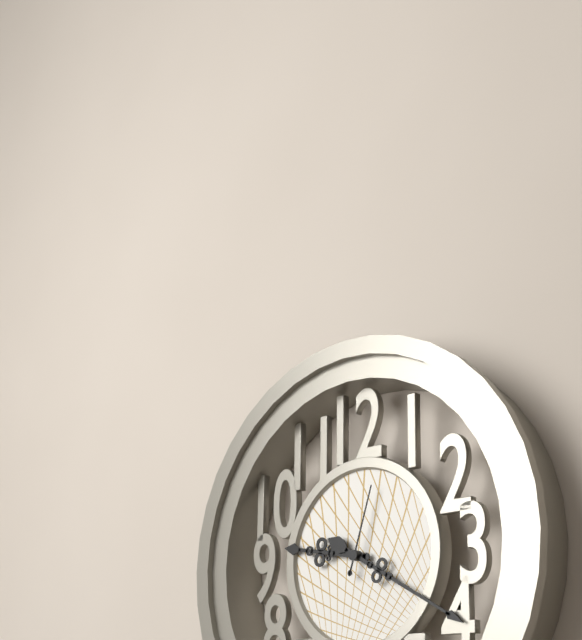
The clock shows 9 h 20 min 03 s
